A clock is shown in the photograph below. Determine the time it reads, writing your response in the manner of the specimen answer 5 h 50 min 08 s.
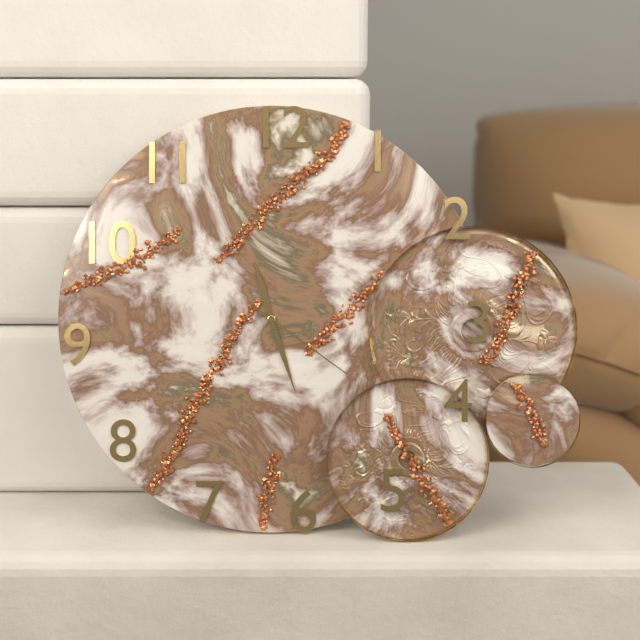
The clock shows 11 h 27 min 21 s
